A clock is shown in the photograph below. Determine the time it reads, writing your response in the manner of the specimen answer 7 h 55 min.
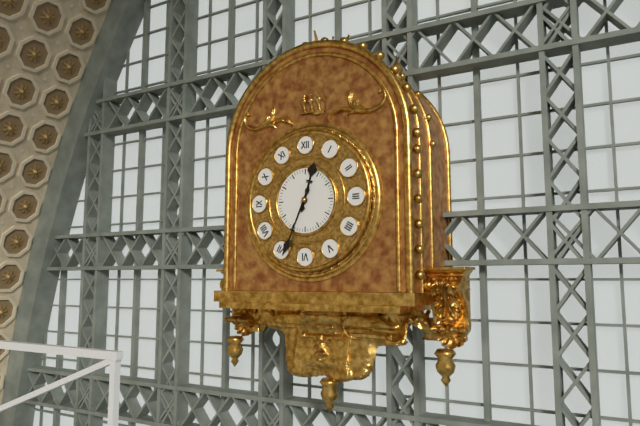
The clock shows 12 h 34 min
